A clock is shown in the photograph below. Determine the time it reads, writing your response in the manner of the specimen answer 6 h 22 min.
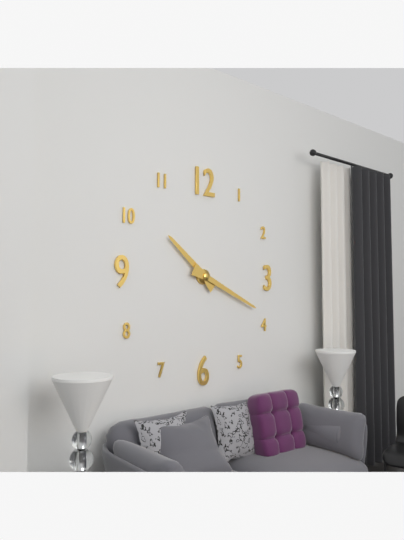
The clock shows 10 h 19 min
